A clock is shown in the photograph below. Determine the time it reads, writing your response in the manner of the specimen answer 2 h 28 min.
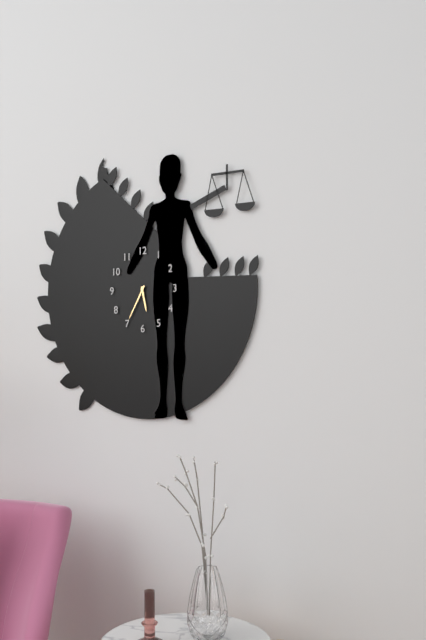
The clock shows 5 h 35 min
